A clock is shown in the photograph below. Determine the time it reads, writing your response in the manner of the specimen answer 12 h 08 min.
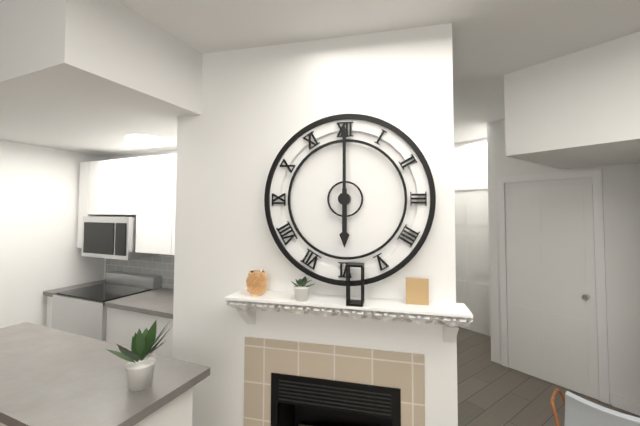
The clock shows 6 h 00 min
